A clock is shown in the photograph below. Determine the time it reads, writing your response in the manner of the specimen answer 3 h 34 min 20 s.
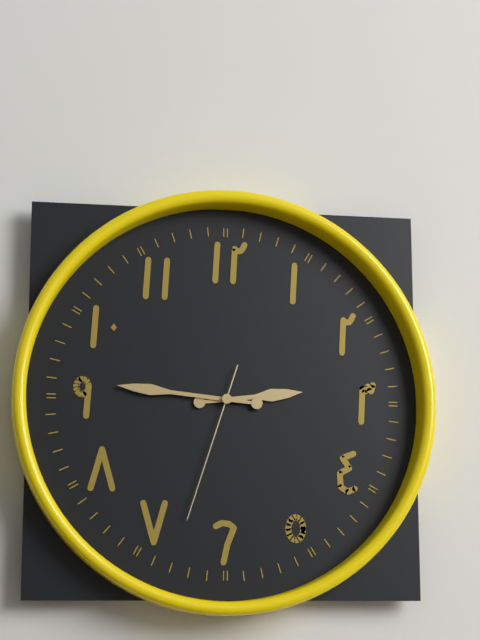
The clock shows 2 h 46 min 33 s
